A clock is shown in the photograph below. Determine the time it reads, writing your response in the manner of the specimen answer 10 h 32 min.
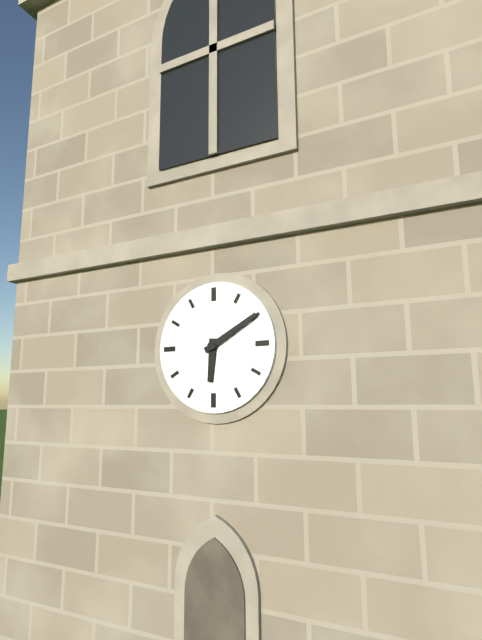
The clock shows 6 h 10 min
